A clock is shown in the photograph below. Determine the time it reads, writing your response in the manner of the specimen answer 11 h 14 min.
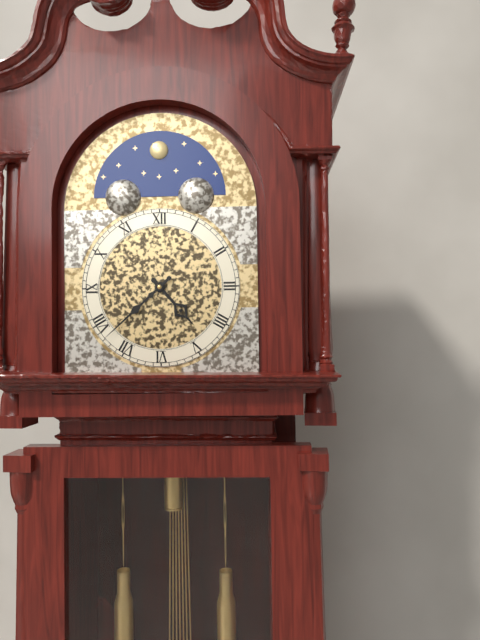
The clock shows 4 h 38 min
